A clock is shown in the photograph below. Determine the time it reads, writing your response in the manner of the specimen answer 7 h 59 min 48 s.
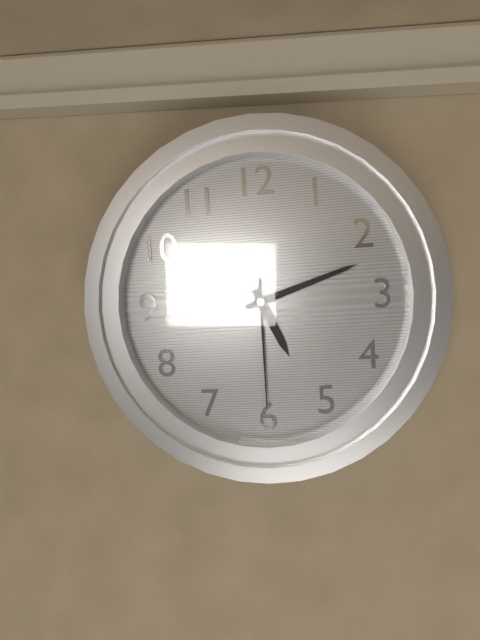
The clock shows 5 h 12 min 30 s
